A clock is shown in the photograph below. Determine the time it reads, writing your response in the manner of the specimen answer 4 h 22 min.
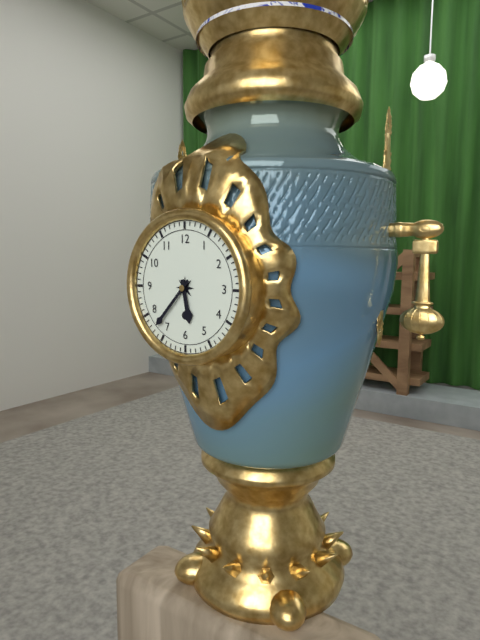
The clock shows 5 h 37 min
